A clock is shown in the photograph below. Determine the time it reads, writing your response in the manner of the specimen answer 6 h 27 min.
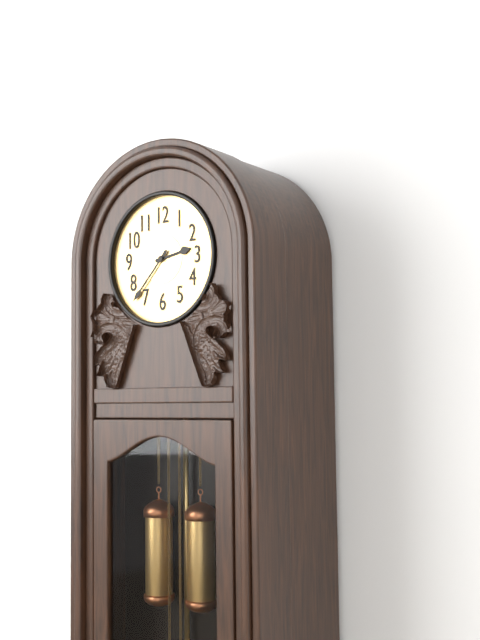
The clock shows 2 h 37 min
